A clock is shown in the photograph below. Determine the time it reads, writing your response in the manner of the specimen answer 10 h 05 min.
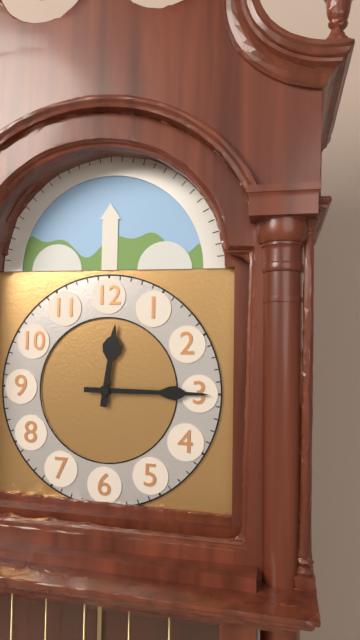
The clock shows 12 h 15 min
